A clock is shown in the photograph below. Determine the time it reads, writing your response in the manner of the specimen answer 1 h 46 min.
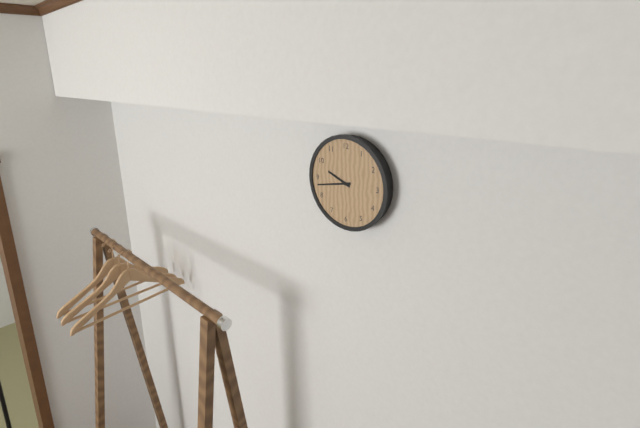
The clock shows 9 h 43 min
